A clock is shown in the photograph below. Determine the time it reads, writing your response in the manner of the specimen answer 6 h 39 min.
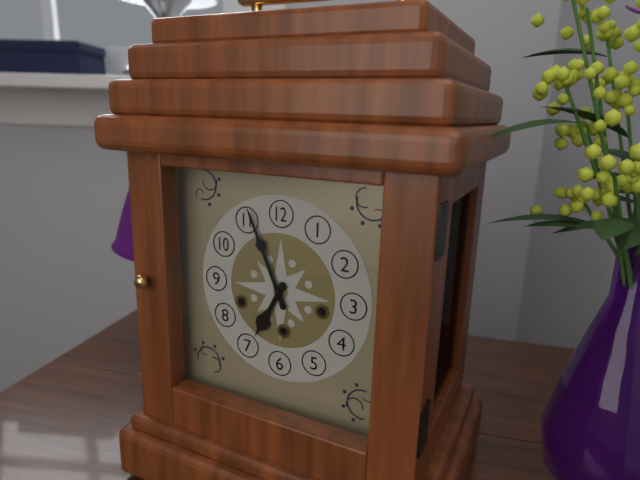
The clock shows 6 h 56 min
